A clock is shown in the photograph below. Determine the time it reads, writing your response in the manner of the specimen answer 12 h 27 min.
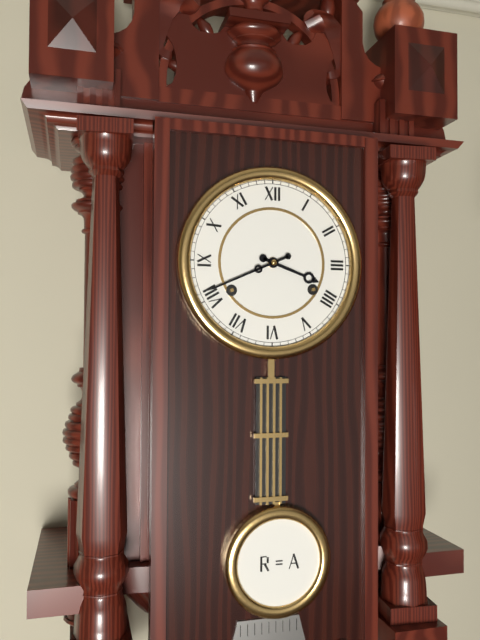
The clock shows 3 h 41 min
